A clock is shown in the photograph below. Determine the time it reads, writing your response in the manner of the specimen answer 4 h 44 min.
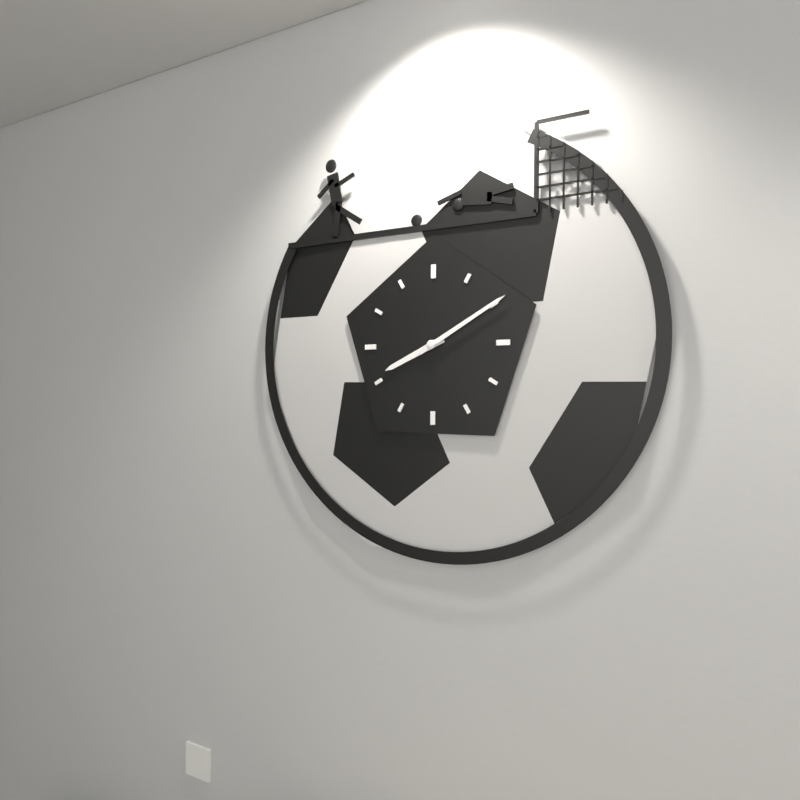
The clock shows 8 h 10 min
